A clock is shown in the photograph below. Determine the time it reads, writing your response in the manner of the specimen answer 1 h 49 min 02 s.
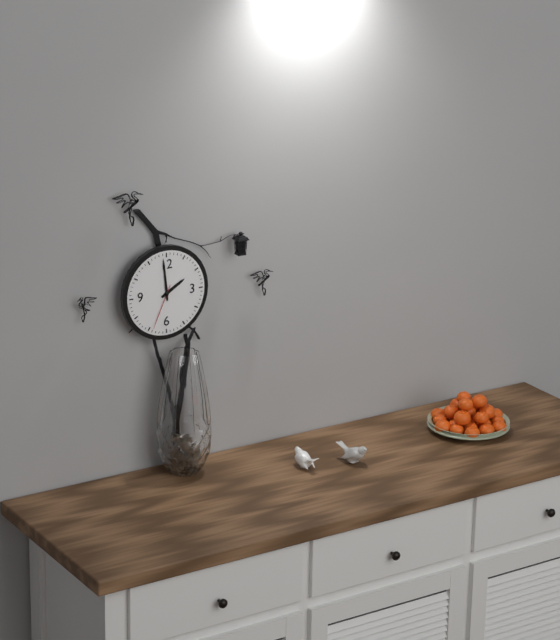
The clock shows 1 h 59 min 34 s
